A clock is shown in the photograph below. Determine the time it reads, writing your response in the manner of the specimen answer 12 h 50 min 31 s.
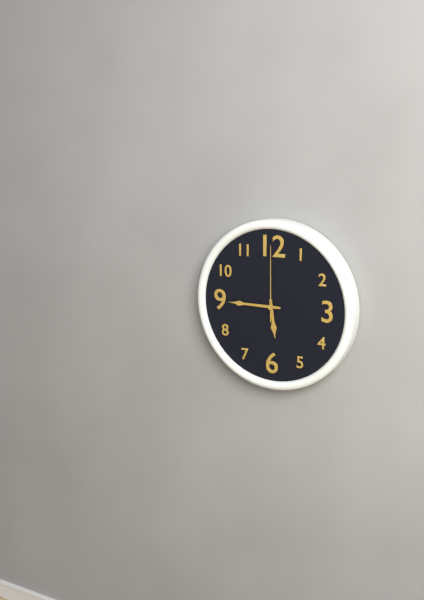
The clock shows 5 h 45 min 00 s
